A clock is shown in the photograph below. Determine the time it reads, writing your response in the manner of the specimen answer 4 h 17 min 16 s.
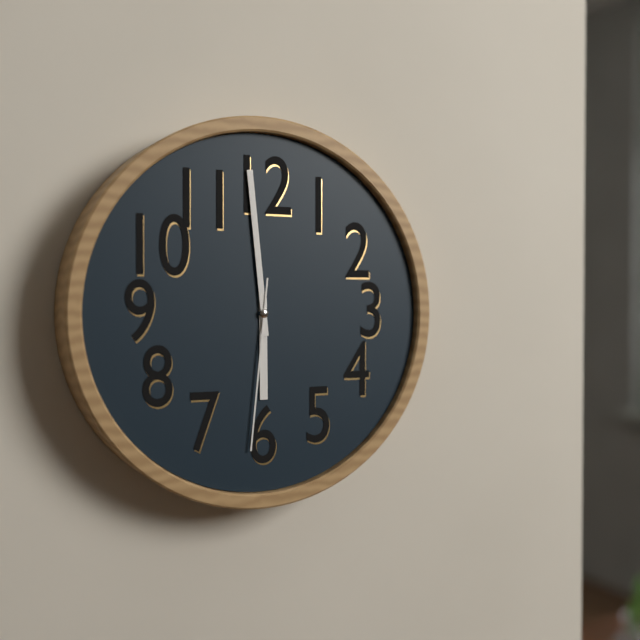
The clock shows 5 h 59 min 31 s
